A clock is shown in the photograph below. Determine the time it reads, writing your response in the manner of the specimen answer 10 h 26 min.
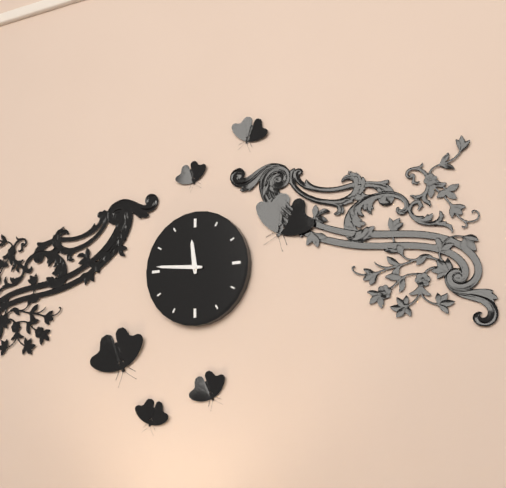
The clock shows 11 h 46 min
